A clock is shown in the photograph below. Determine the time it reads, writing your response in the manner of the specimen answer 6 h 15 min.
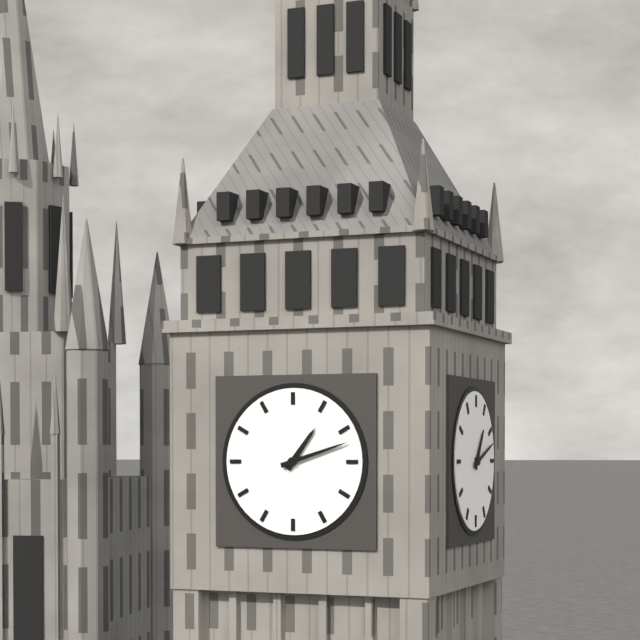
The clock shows 1 h 12 min
